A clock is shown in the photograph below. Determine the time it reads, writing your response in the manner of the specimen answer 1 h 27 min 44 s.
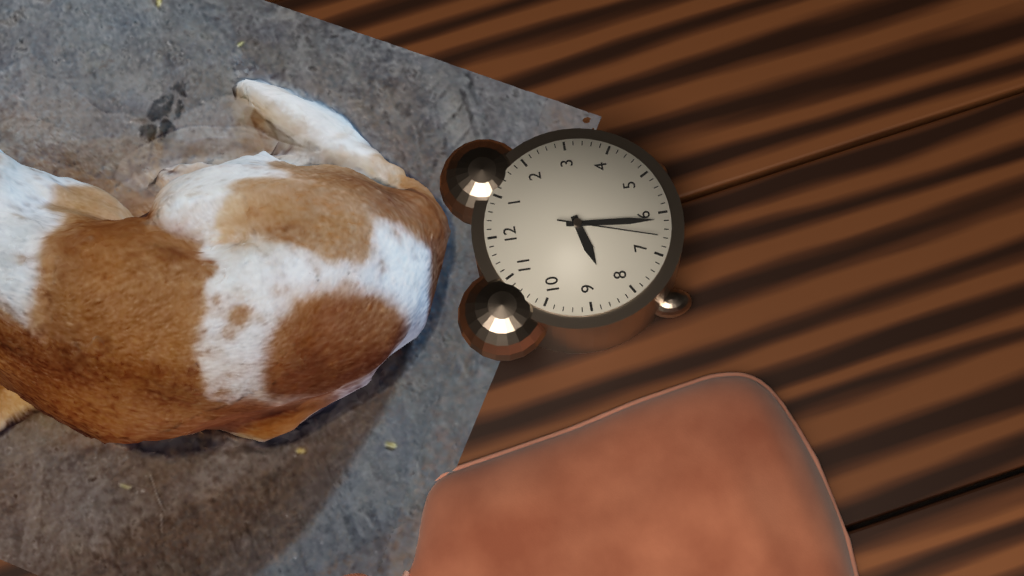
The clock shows 8 h 31 min 33 s
